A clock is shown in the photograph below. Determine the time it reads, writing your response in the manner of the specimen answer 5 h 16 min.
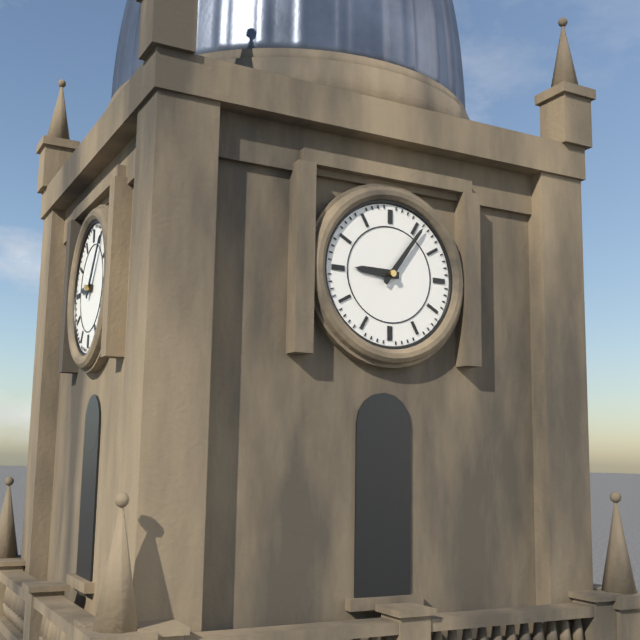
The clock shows 9 h 06 min
